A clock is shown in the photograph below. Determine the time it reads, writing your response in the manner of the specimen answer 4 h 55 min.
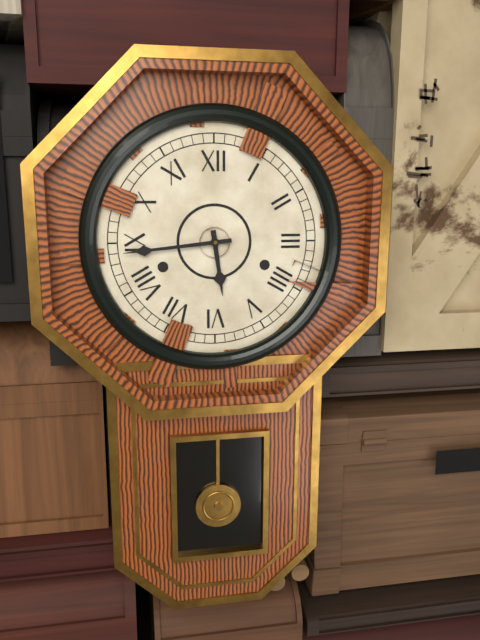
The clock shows 5 h 44 min
